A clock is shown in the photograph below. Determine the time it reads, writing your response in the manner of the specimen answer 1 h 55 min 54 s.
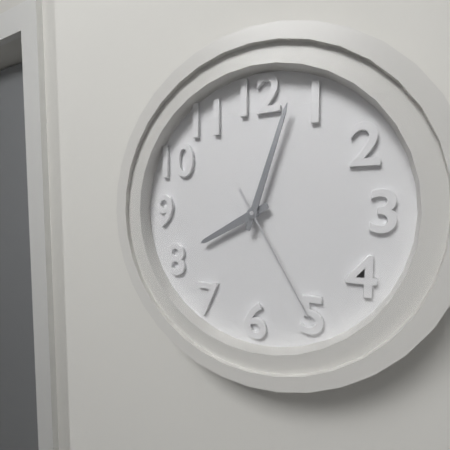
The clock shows 8 h 03 min 25 s
